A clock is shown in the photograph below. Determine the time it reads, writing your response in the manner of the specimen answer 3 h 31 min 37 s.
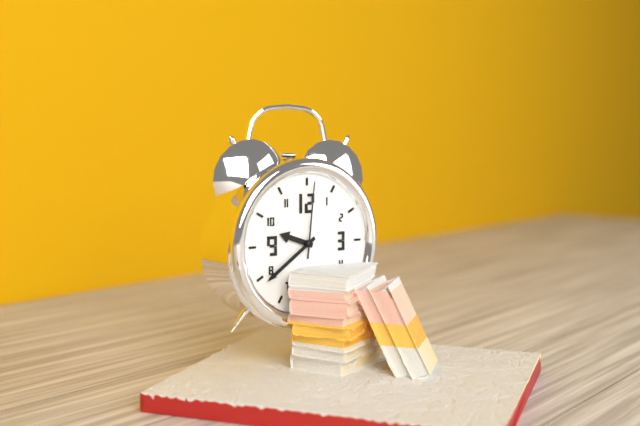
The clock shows 9 h 39 min 01 s
